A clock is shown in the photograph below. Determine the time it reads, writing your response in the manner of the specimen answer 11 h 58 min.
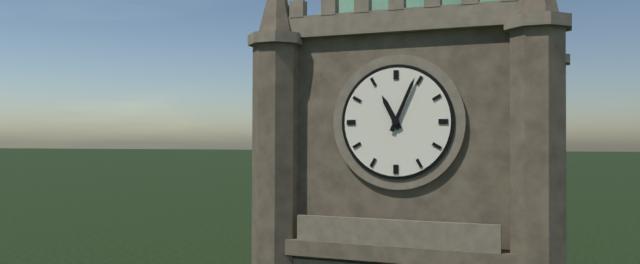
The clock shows 11 h 04 min
